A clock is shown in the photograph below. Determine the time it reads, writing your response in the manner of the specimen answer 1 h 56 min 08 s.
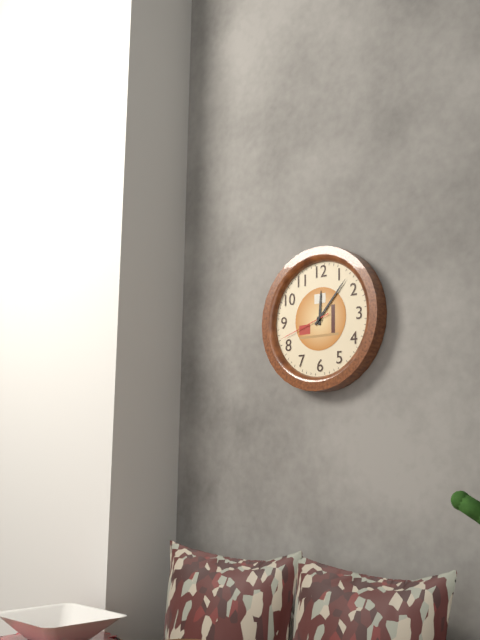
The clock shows 12 h 07 min 42 s
